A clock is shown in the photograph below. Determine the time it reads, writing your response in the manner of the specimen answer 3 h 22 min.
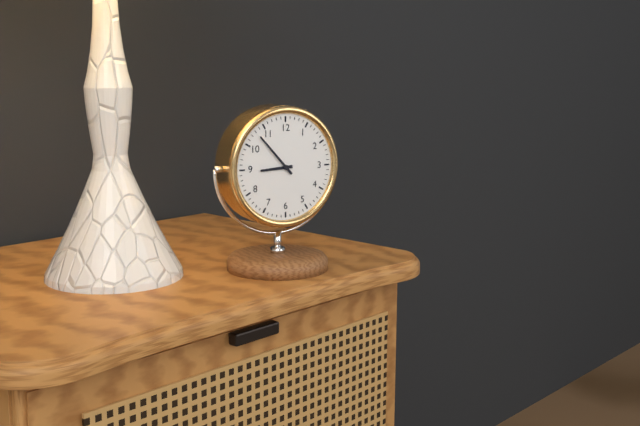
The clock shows 8 h 53 min
